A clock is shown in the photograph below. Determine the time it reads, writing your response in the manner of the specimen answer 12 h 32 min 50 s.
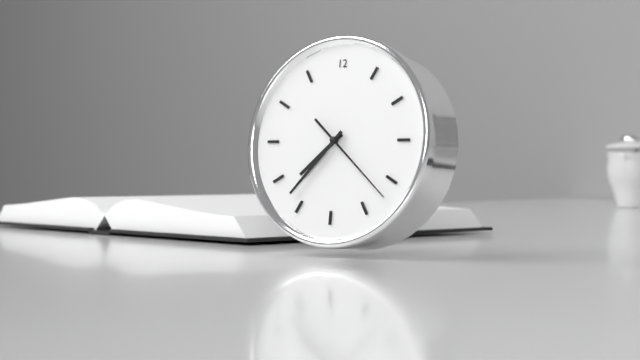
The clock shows 7 h 37 min 22 s
